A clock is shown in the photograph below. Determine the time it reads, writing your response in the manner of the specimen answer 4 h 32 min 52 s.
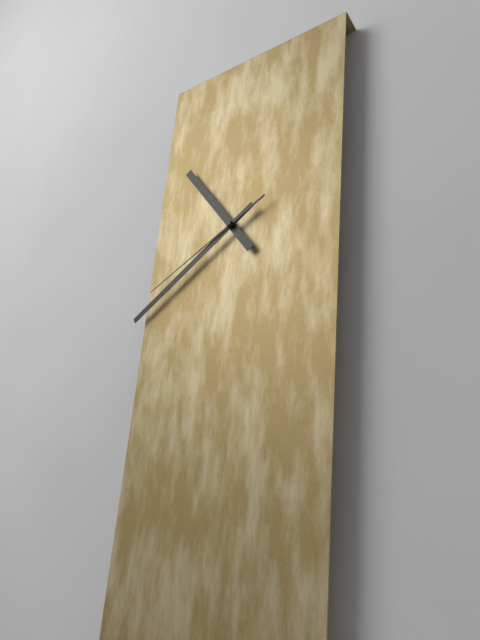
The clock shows 10 h 39 min 40 s
